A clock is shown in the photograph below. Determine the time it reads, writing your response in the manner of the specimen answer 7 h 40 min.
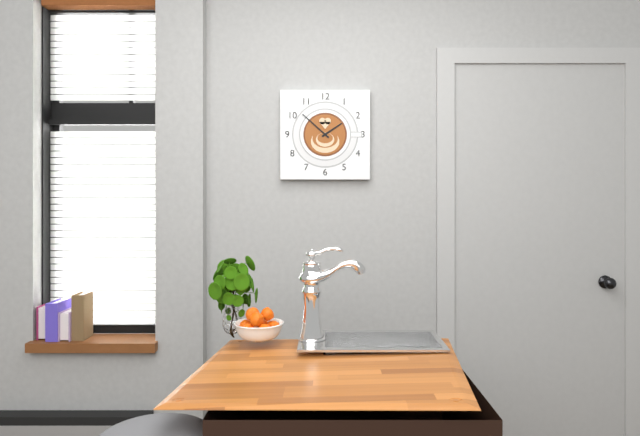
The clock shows 1 h 52 min
